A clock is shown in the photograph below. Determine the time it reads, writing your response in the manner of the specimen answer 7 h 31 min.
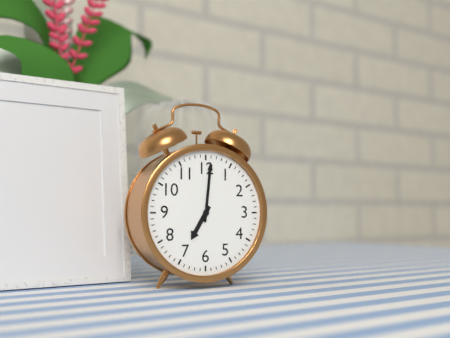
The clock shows 7 h 01 min
